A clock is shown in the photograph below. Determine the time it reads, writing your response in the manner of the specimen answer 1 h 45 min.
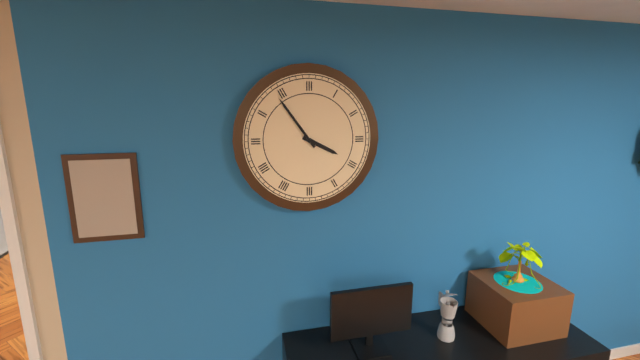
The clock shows 3 h 54 min
